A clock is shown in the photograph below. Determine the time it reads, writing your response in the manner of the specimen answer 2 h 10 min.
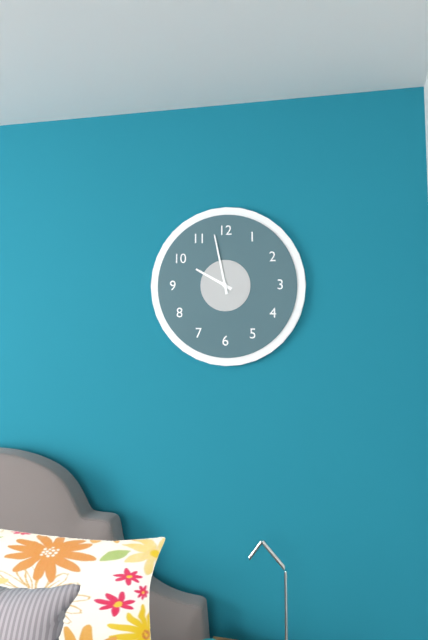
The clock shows 9 h 58 min
